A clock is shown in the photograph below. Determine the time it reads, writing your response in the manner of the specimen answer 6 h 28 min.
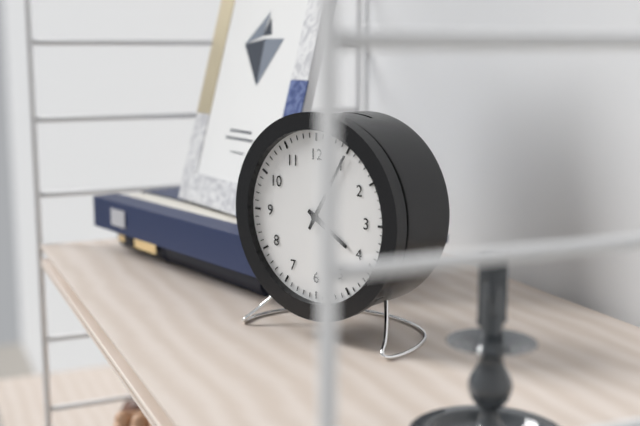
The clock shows 4 h 05 min
